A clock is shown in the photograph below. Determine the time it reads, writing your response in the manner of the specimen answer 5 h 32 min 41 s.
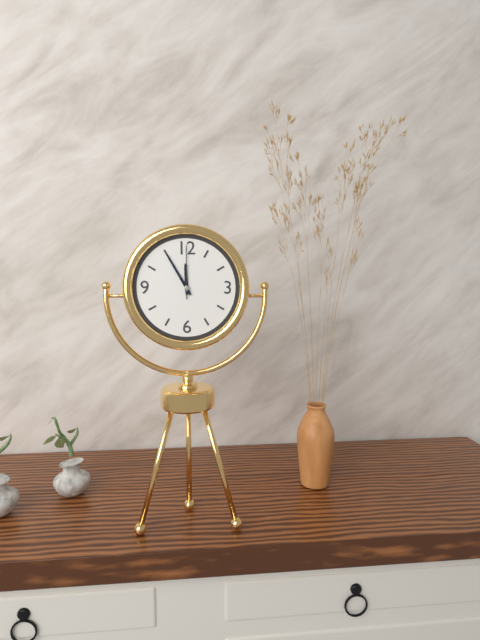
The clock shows 11 h 55 min 00 s
